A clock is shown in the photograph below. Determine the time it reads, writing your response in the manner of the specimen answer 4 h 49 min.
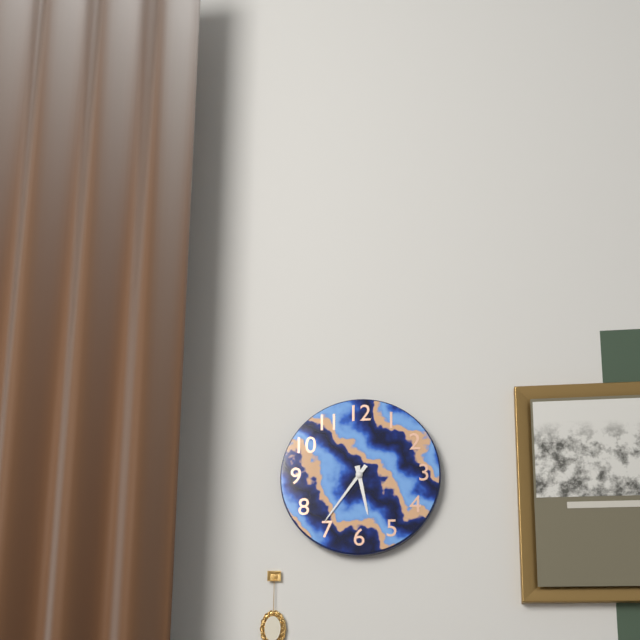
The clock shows 5 h 36 min
